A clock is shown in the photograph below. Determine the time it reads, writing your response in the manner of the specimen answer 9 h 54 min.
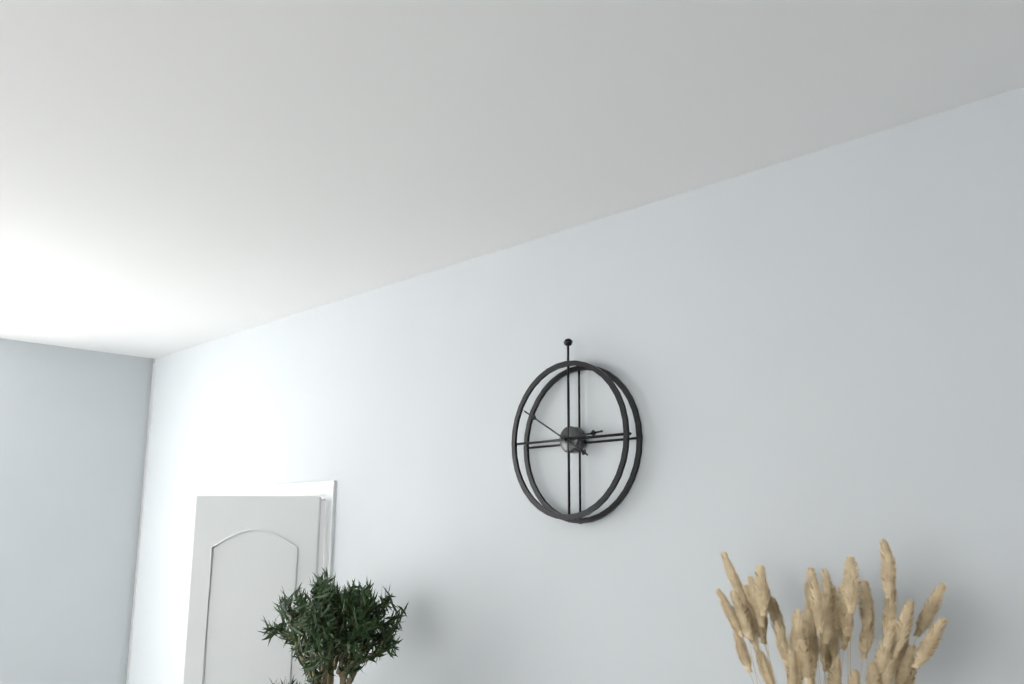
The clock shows 2 h 50 min
